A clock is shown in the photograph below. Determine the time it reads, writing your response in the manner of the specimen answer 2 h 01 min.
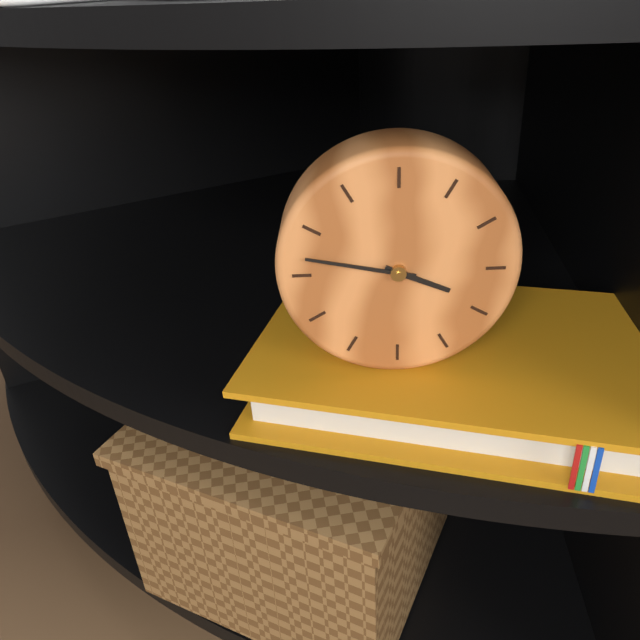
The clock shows 3 h 47 min
